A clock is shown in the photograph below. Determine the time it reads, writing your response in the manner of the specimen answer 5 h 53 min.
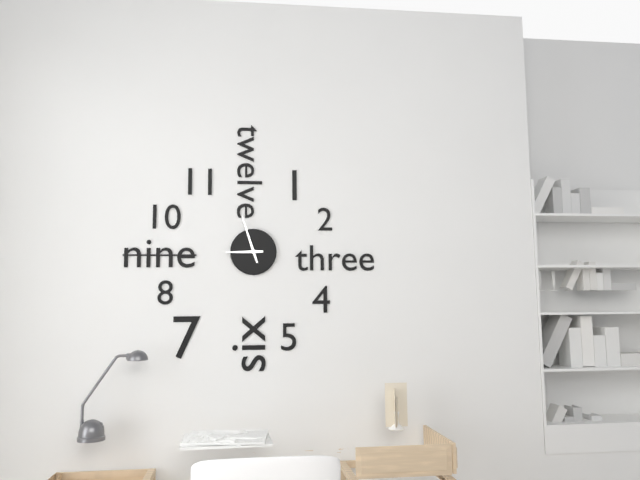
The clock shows 8 h 57 min
